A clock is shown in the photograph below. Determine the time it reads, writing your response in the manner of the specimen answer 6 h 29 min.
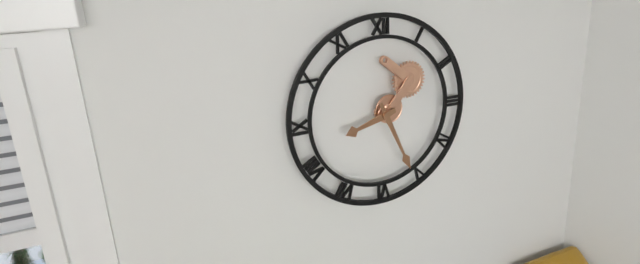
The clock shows 8 h 26 min
